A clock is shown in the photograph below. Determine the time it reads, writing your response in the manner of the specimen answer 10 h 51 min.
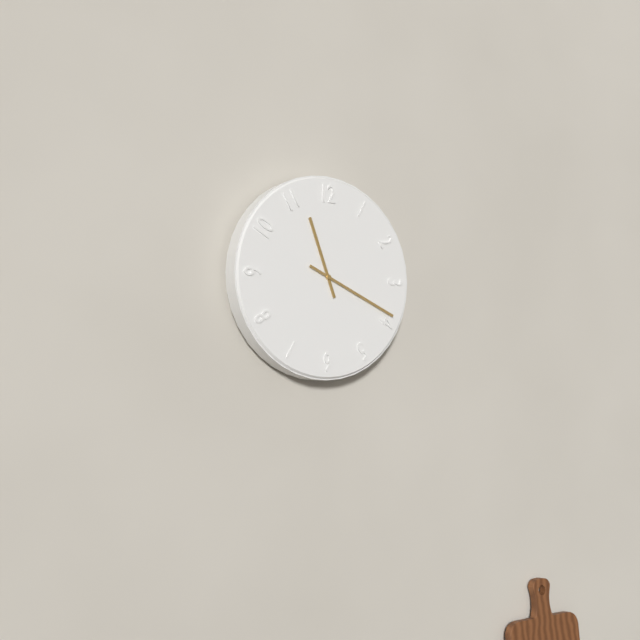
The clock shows 11 h 19 min
